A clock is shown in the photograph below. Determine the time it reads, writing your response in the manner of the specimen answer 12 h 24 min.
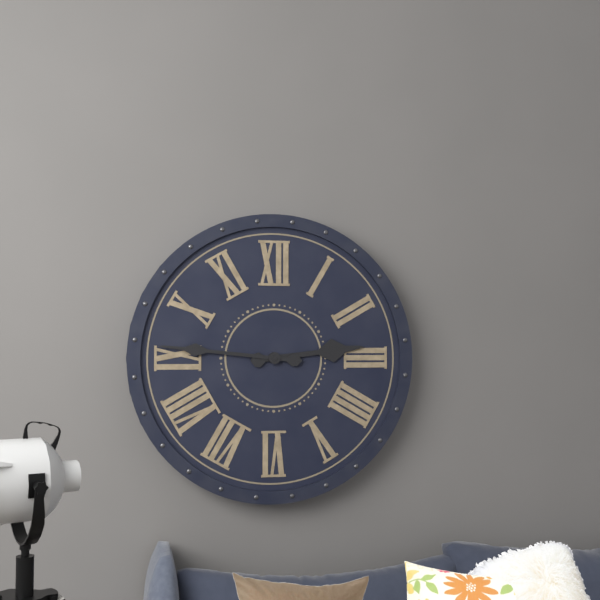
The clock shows 2 h 46 min
